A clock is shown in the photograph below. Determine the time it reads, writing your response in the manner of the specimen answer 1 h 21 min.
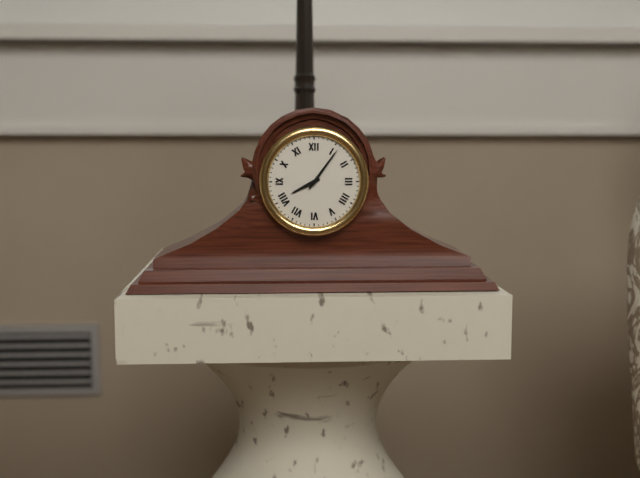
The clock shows 8 h 06 min
